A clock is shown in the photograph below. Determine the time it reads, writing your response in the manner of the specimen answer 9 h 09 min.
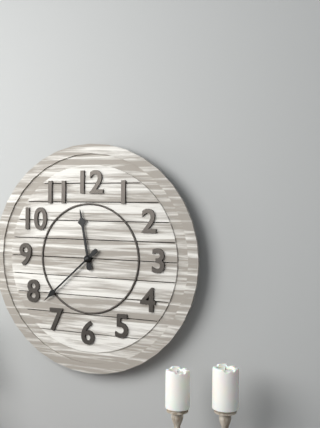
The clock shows 11 h 38 min
